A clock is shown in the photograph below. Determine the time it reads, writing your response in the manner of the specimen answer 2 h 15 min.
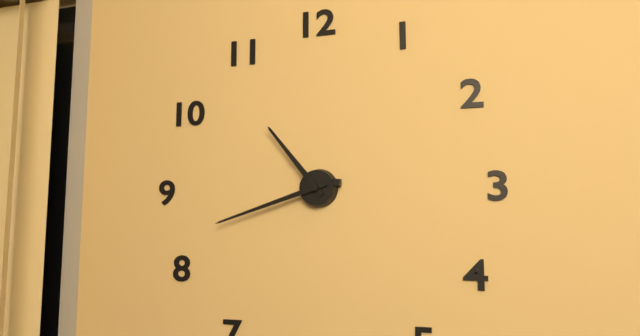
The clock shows 10 h 42 min
